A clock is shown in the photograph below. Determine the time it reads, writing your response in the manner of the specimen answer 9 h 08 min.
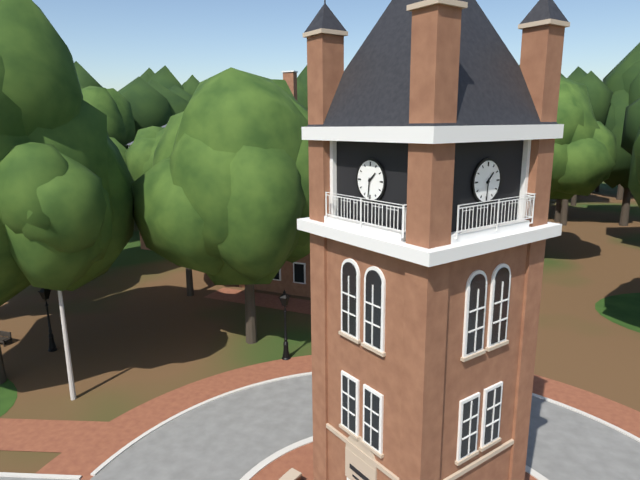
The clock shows 1 h 31 min
